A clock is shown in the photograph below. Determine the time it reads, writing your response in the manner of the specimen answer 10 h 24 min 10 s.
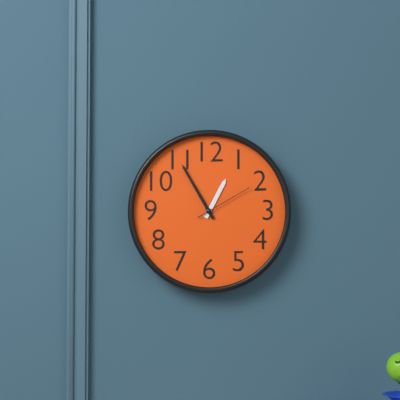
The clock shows 12 h 55 min 10 s
